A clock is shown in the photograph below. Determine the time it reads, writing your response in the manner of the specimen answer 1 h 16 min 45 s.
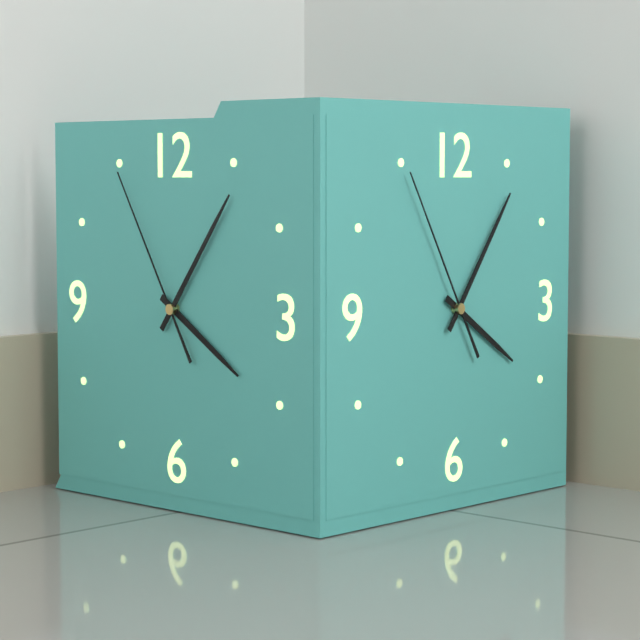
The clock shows 4 h 06 min 55 s
